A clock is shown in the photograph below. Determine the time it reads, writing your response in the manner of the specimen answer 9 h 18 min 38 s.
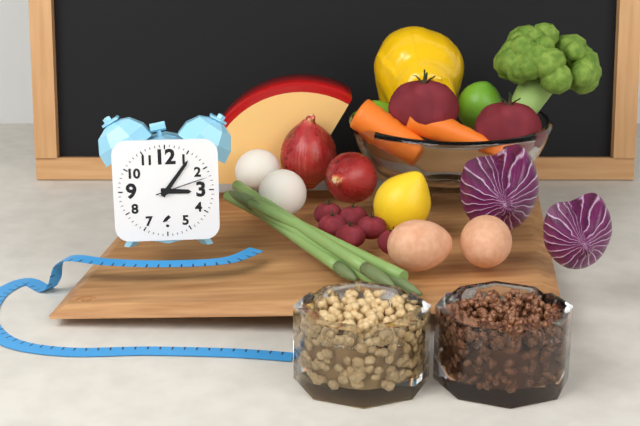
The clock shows 3 h 06 min 12 s
